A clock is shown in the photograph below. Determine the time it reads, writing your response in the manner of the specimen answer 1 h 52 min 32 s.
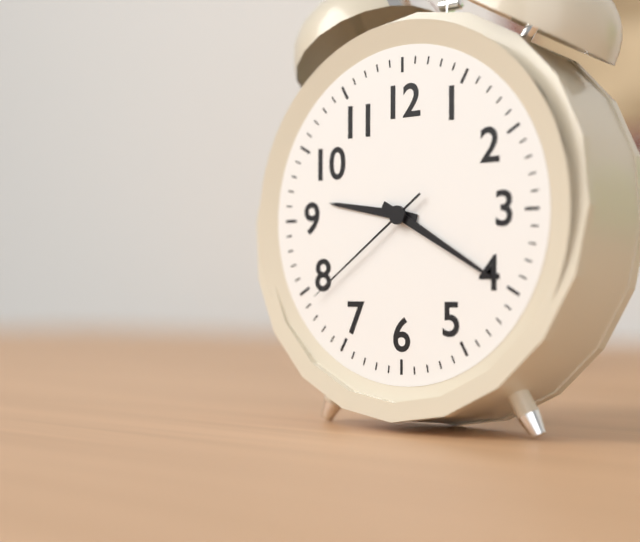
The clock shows 9 h 20 min 39 s
